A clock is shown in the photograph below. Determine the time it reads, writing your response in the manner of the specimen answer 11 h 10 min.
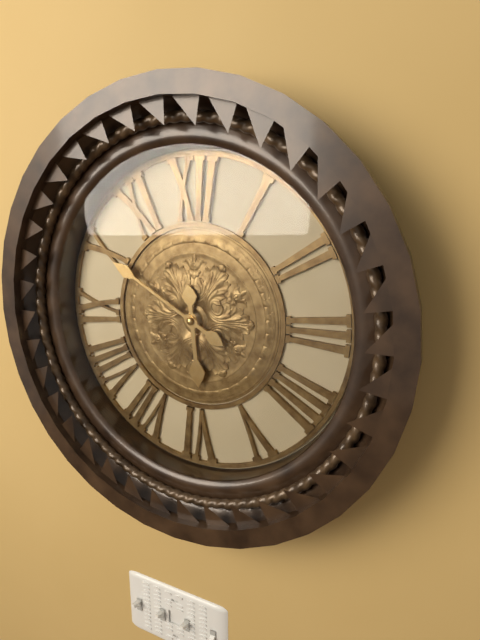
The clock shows 5 h 50 min
